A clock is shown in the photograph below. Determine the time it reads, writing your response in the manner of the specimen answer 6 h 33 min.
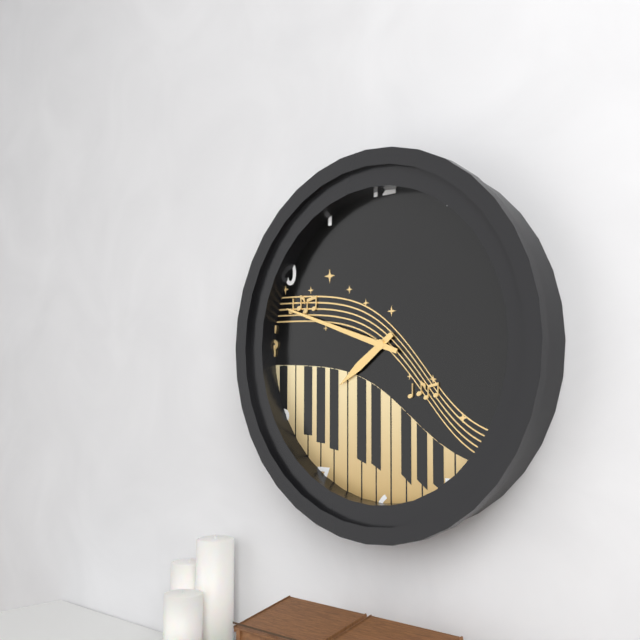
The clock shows 7 h 48 min
